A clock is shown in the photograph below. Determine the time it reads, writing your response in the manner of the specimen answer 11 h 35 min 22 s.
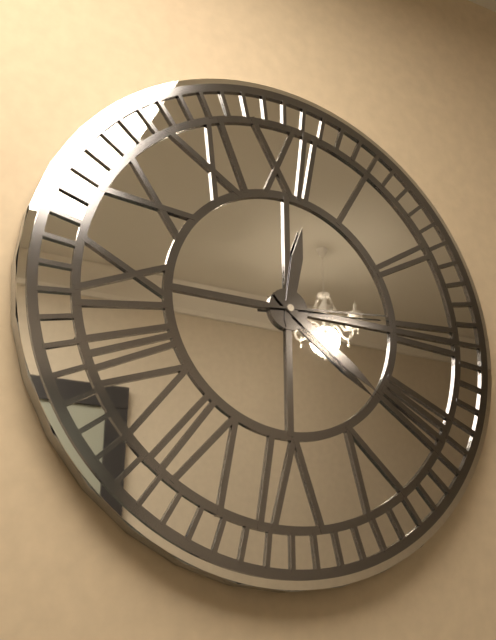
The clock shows 12 h 21 min 14 s
